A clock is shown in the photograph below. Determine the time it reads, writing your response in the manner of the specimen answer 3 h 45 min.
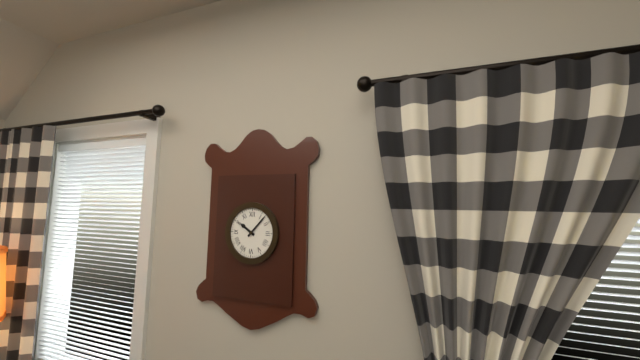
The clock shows 10 h 07 min
